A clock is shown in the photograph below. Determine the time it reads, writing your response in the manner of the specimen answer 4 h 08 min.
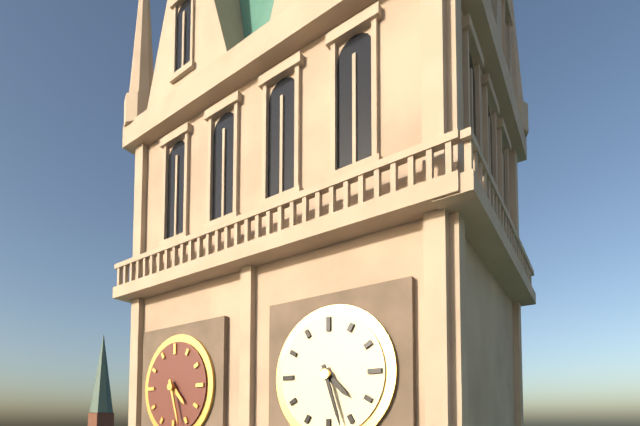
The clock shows 4 h 27 min
